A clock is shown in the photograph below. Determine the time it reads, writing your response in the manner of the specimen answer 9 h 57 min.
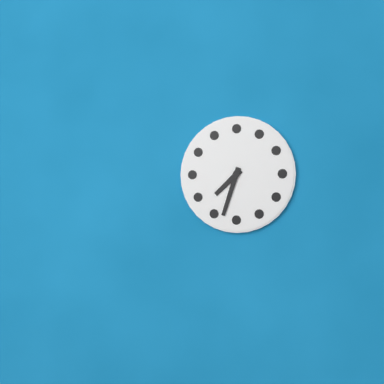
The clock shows 7 h 33 min
